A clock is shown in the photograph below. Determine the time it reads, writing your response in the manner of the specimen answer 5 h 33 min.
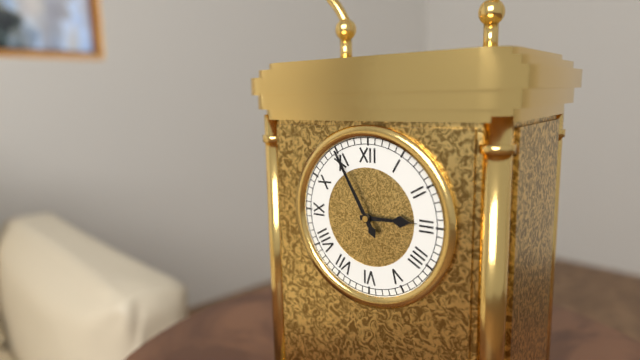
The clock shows 2 h 55 min
